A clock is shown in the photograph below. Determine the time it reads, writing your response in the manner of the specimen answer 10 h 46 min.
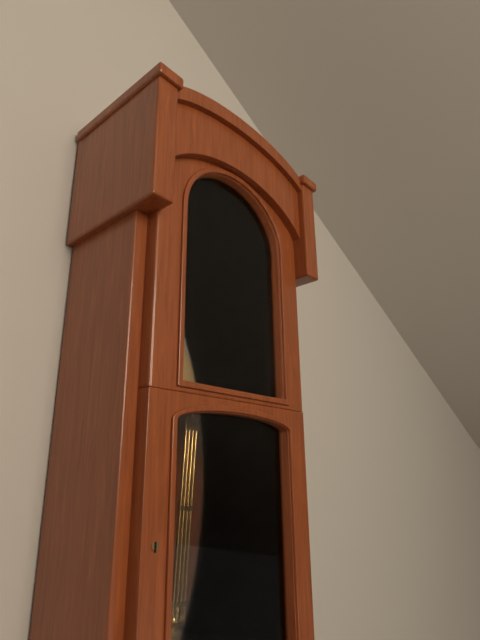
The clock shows 7 h 34 min
